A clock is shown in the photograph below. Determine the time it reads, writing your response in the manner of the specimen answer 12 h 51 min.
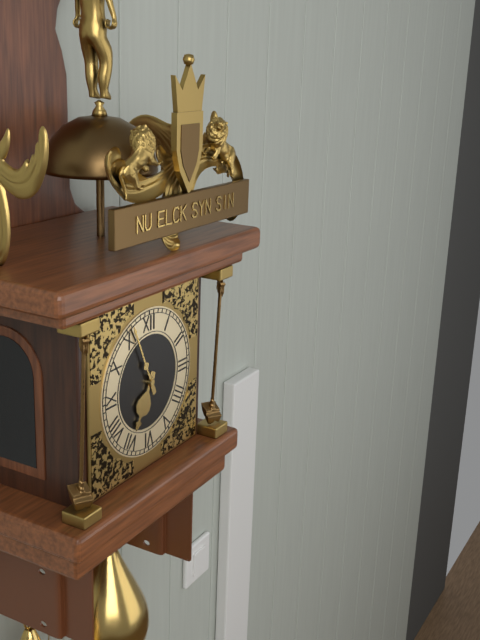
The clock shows 6 h 56 min
